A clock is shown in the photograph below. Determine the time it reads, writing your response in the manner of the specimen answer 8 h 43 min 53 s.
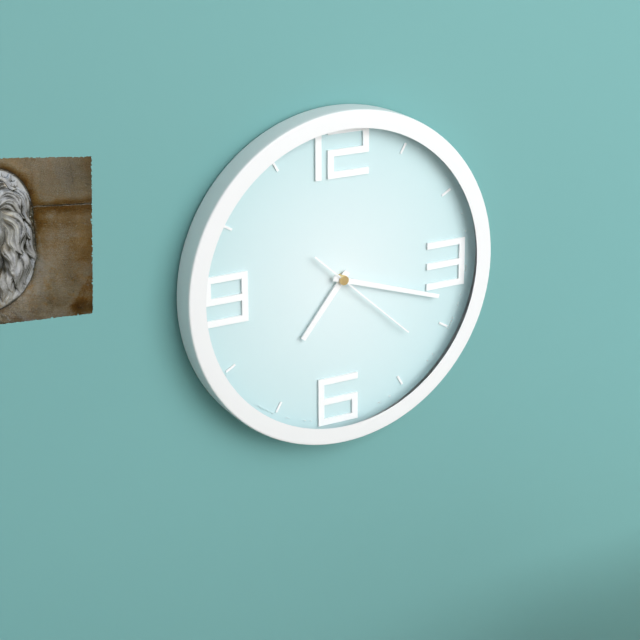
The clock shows 7 h 18 min 22 s
